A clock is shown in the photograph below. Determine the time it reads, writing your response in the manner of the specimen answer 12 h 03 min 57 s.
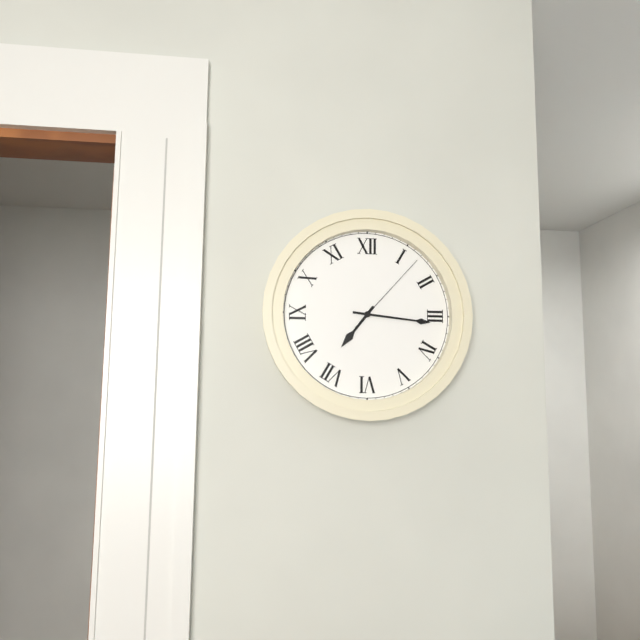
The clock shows 7 h 16 min 07 s
